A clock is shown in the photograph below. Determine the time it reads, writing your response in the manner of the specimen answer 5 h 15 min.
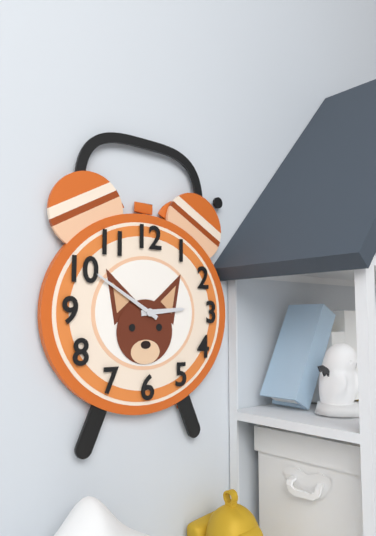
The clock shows 2 h 50 min
